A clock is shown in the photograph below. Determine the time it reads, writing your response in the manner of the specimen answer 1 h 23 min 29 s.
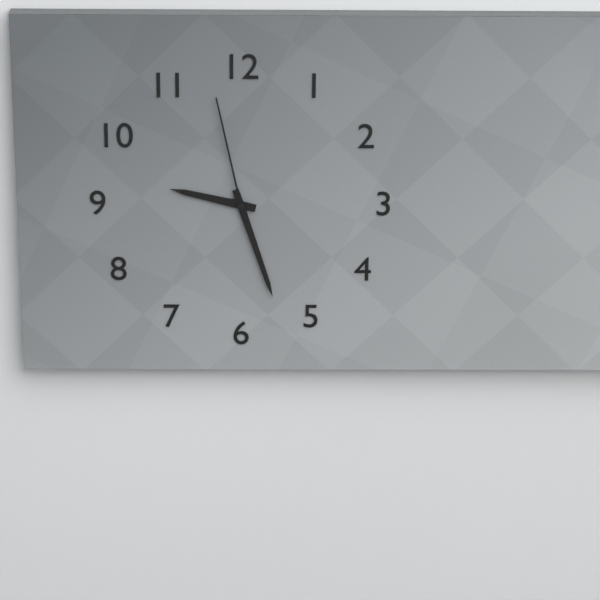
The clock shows 9 h 27 min 58 s
